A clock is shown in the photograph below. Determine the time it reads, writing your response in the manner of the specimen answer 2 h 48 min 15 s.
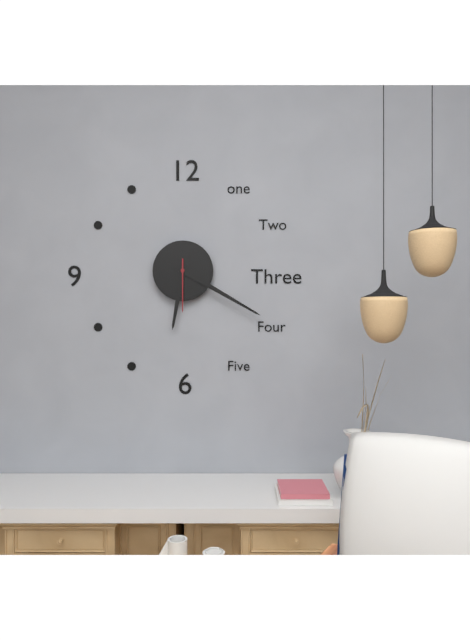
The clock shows 6 h 20 min 30 s
